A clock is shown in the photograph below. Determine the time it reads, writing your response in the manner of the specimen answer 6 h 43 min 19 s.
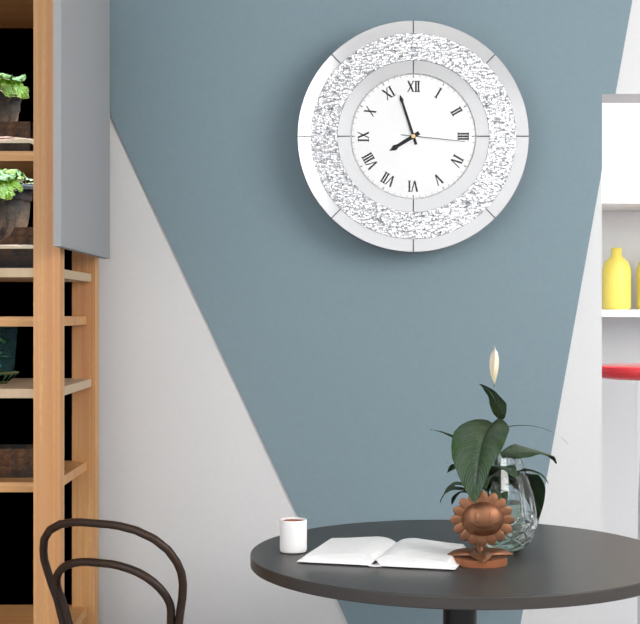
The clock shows 7 h 57 min 16 s
